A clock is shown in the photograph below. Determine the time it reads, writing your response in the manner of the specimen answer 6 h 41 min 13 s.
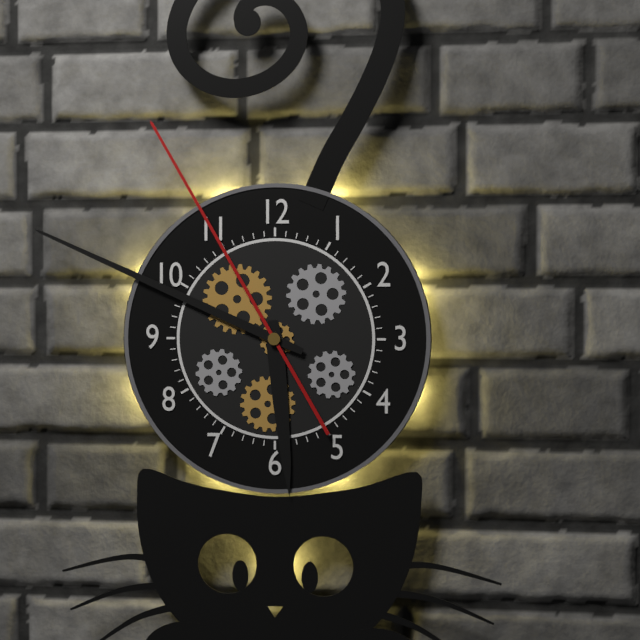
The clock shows 5 h 49 min 55 s
